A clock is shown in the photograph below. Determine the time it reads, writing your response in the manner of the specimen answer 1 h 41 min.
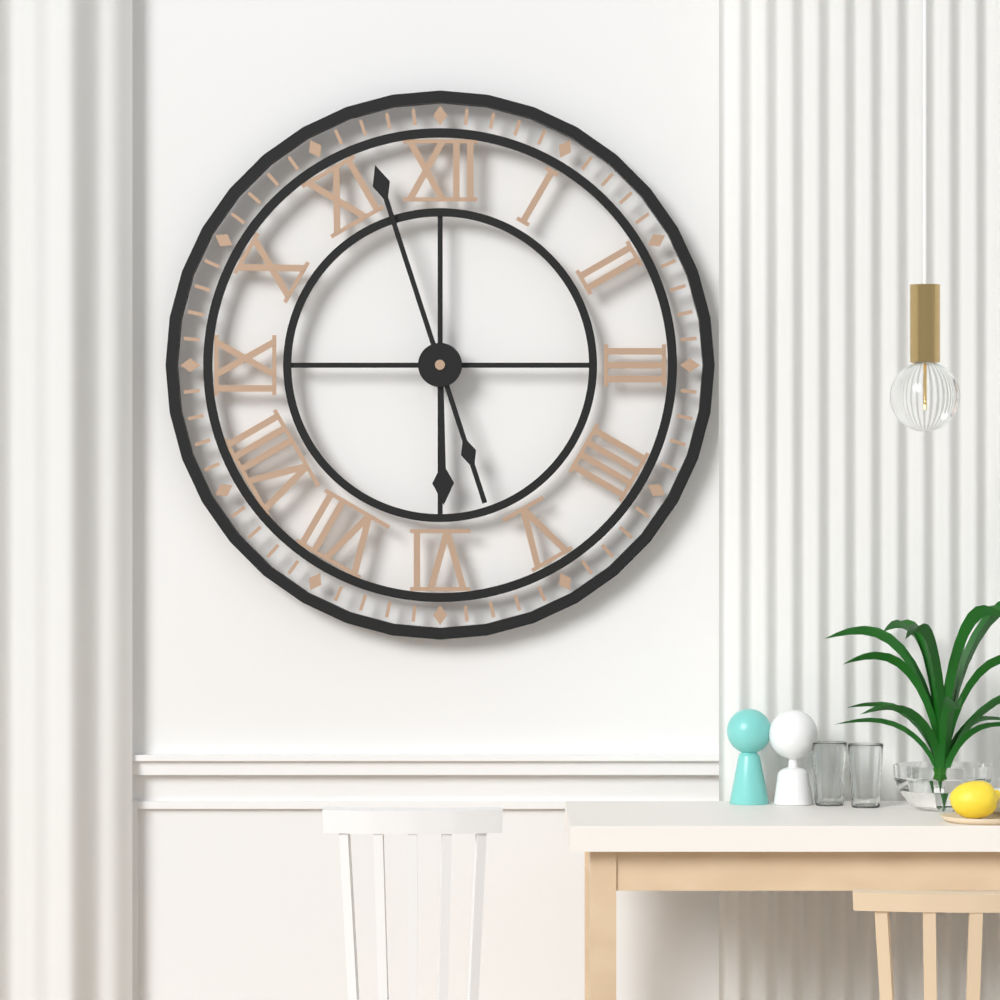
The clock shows 5 h 57 min
